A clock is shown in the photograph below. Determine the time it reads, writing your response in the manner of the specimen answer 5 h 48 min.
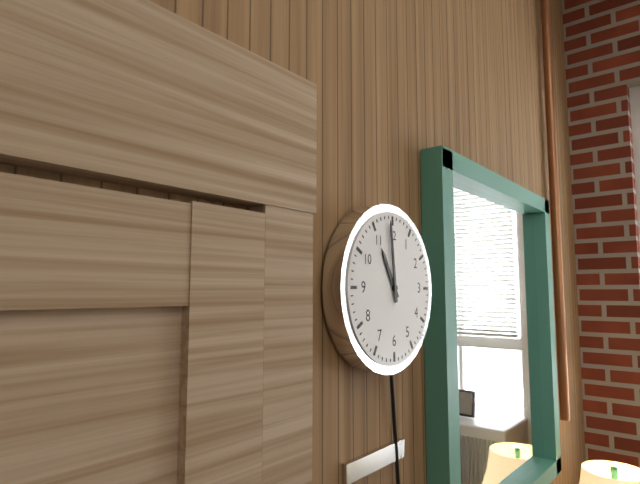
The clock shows 10 h 59 min
